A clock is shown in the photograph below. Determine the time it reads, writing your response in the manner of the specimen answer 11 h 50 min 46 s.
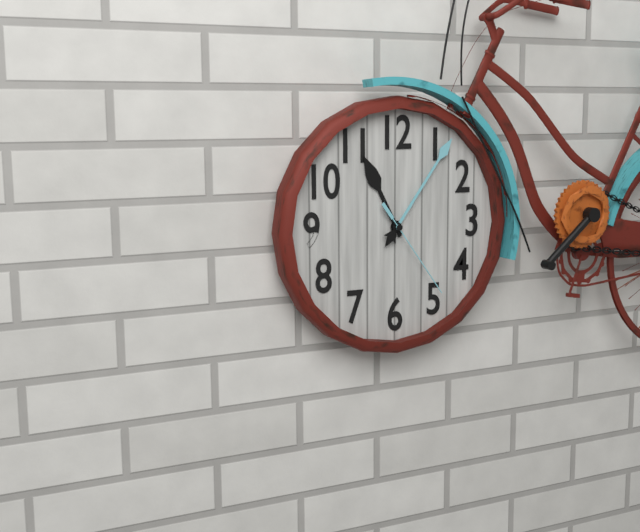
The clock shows 11 h 06 min 24 s
